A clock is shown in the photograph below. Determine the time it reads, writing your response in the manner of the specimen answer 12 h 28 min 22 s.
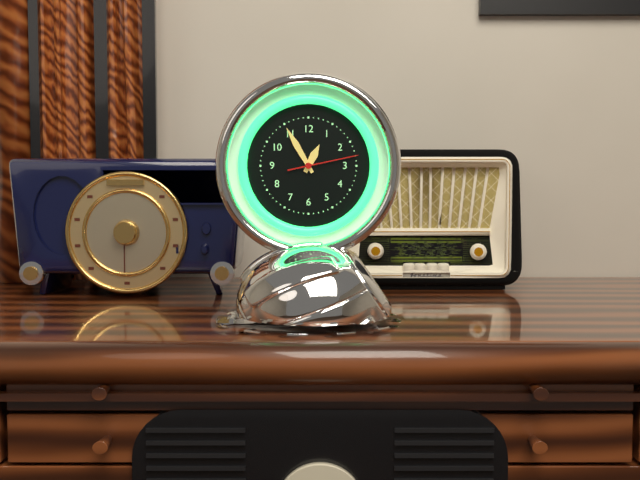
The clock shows 12 h 55 min 13 s
